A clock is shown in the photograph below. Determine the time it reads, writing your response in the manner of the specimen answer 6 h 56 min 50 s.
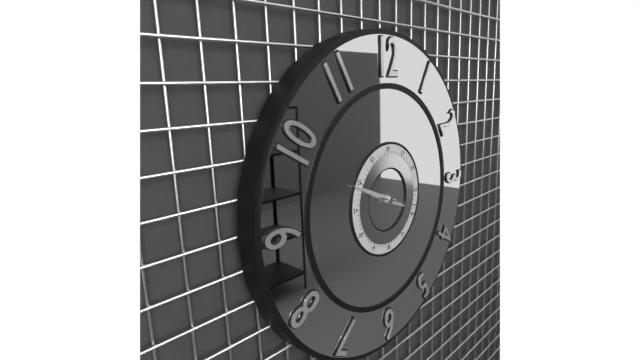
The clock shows 3 h 49 min 18 s
